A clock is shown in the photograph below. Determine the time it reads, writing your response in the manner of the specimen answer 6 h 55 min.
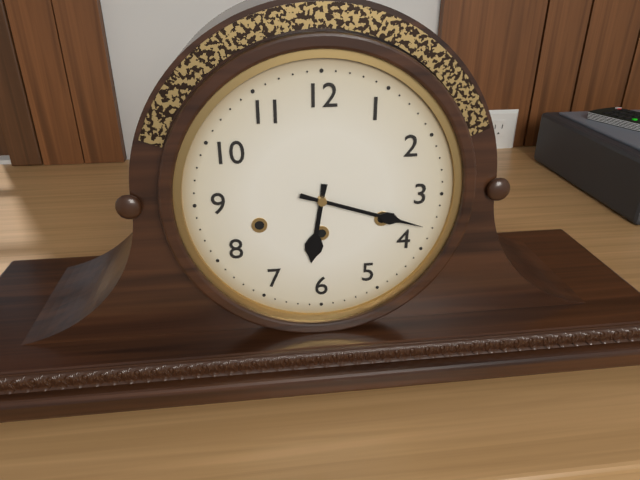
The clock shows 6 h 18 min
